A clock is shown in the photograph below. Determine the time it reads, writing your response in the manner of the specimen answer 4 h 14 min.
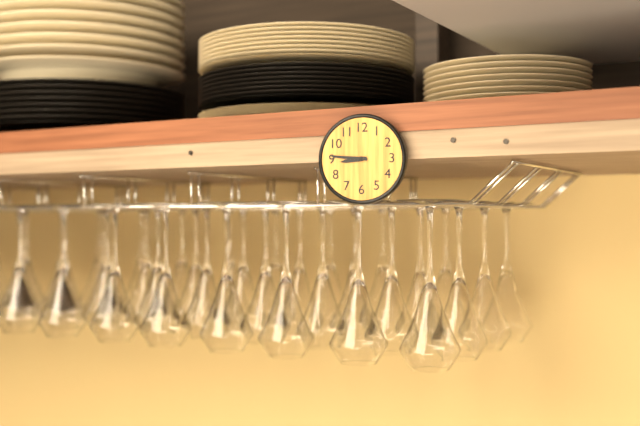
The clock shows 8 h 46 min
